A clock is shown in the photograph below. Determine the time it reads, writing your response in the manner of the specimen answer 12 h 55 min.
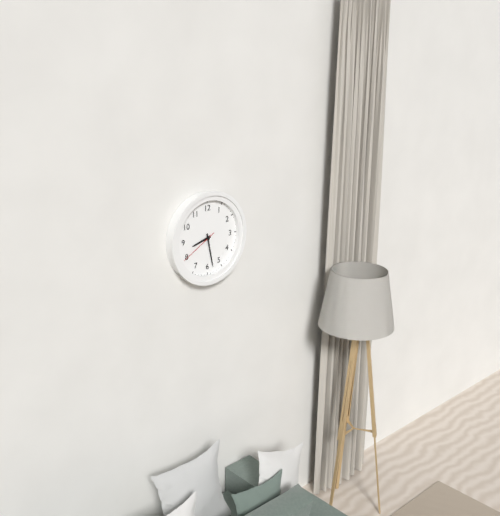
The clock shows 8 h 28 min
